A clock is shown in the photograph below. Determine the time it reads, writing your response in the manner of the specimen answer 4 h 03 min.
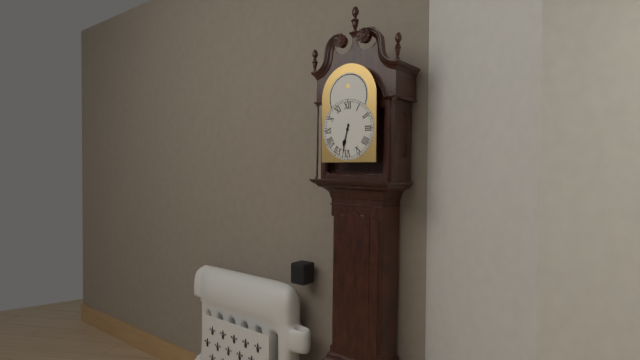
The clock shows 6 h 32 min
